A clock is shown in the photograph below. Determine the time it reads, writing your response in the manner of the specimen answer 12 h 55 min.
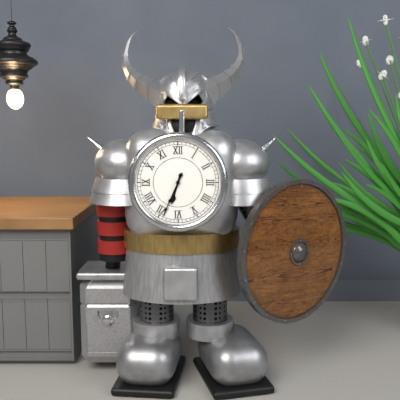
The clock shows 6 h 34 min
